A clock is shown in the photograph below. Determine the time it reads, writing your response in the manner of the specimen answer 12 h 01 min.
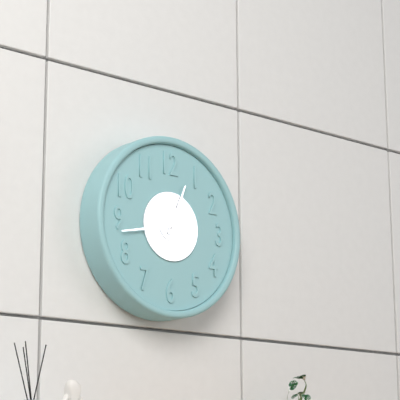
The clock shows 12 h 43 min
